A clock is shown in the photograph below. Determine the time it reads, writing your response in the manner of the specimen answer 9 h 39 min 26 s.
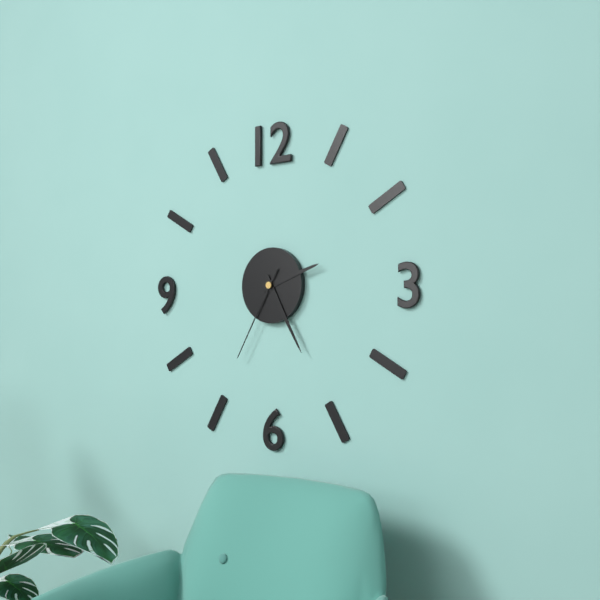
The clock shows 2 h 25 min 35 s
